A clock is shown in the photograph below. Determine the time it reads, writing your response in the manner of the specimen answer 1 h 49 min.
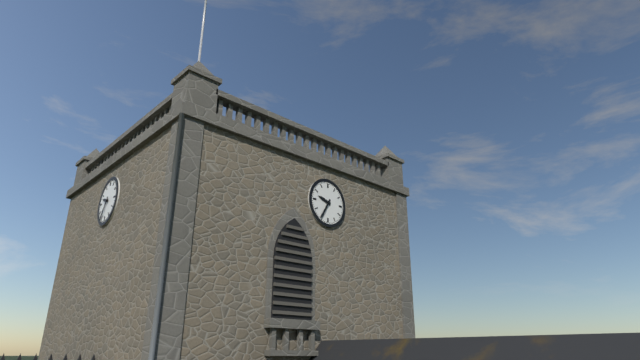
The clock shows 9 h 35 min
